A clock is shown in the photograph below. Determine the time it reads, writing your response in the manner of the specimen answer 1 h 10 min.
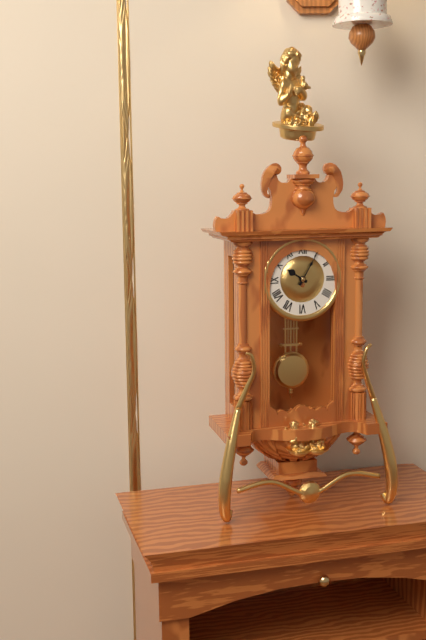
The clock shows 10 h 05 min
